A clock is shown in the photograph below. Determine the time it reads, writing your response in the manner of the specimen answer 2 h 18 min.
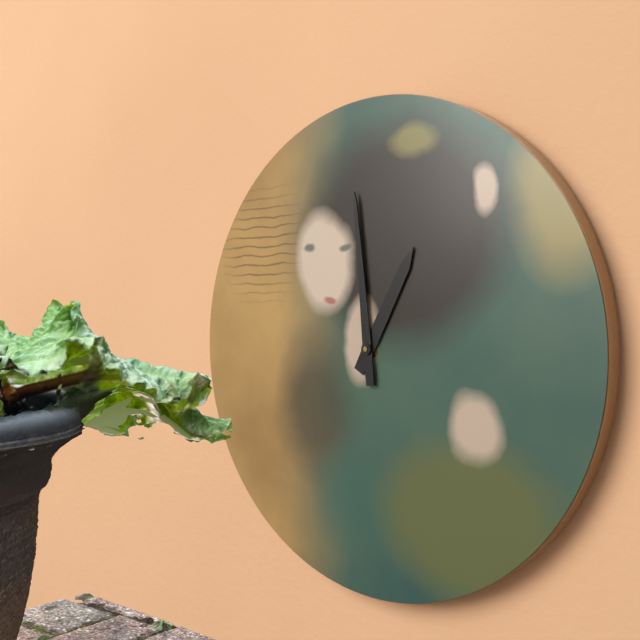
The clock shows 12 h 59 min
